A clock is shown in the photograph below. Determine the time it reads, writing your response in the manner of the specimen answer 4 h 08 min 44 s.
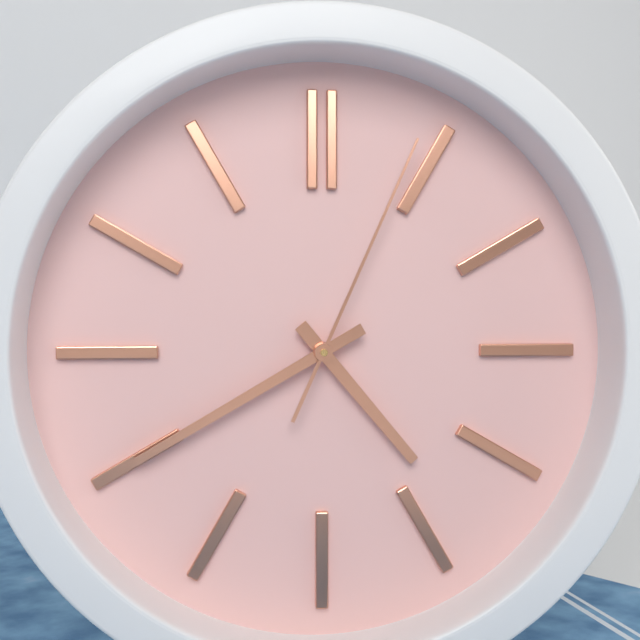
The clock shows 4 h 40 min 04 s
